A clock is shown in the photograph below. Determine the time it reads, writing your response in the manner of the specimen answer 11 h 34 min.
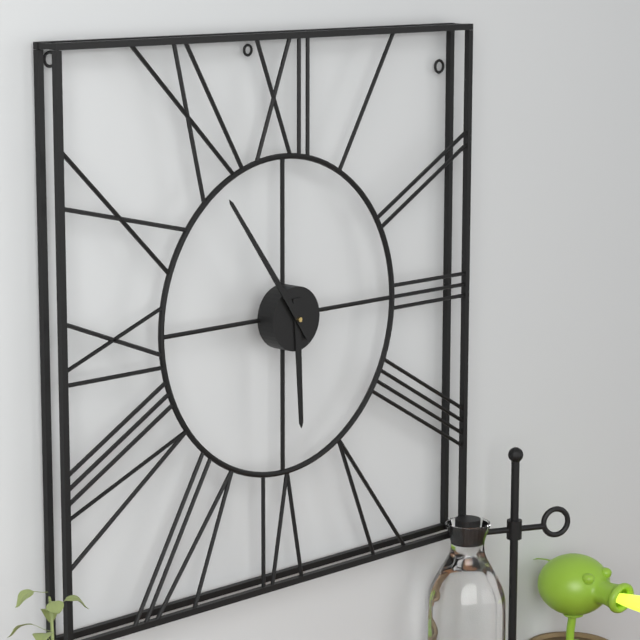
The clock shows 5 h 54 min
